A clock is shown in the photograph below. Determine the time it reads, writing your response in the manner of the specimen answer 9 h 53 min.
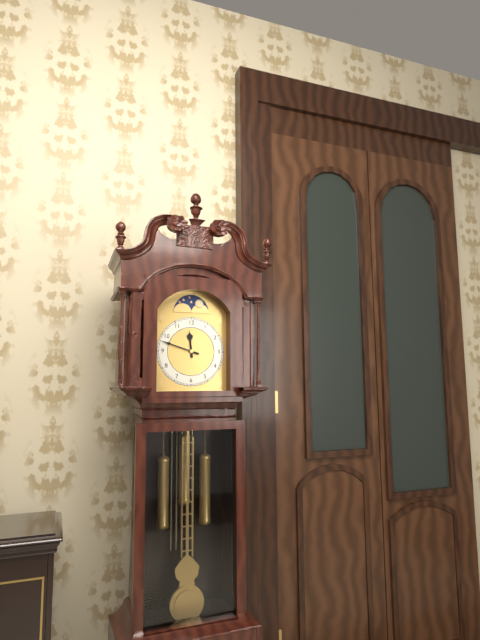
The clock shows 11 h 48 min
